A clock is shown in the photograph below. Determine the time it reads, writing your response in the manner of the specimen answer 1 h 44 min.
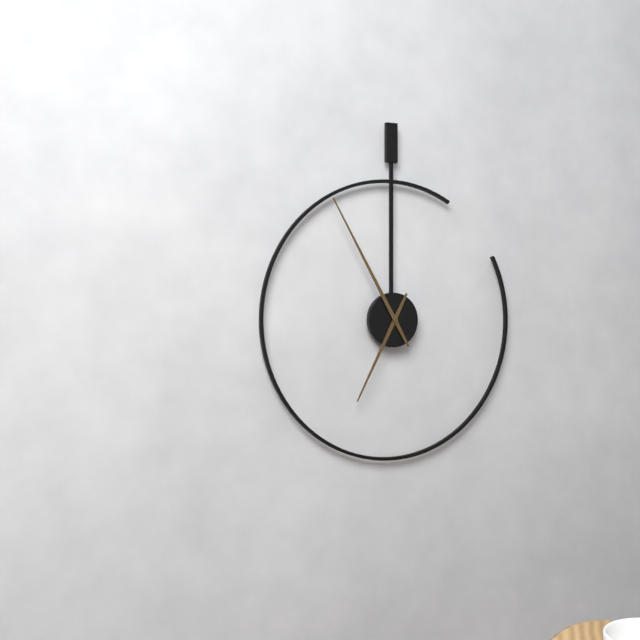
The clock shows 6 h 55 min
